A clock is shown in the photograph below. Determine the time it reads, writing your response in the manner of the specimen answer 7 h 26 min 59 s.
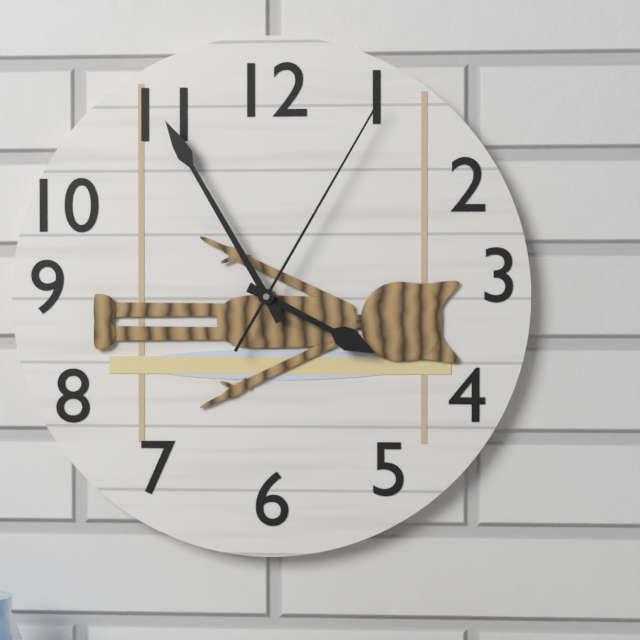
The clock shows 3 h 55 min 05 s
